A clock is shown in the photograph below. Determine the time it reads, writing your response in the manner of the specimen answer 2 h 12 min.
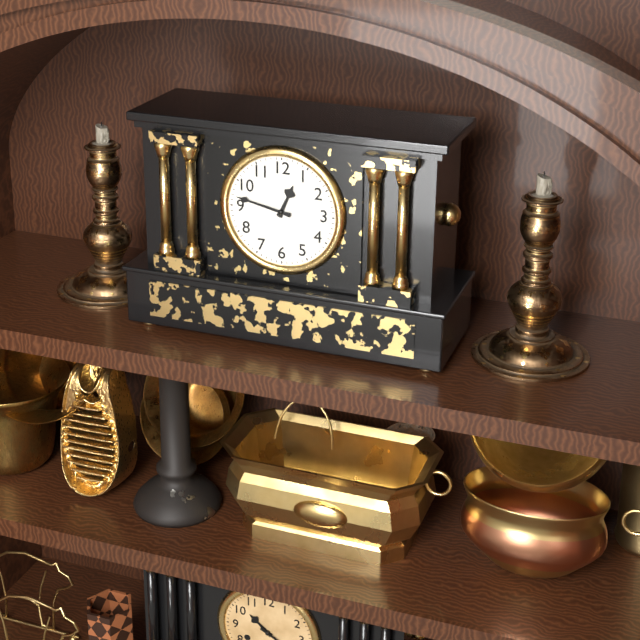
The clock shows 12 h 47 min
